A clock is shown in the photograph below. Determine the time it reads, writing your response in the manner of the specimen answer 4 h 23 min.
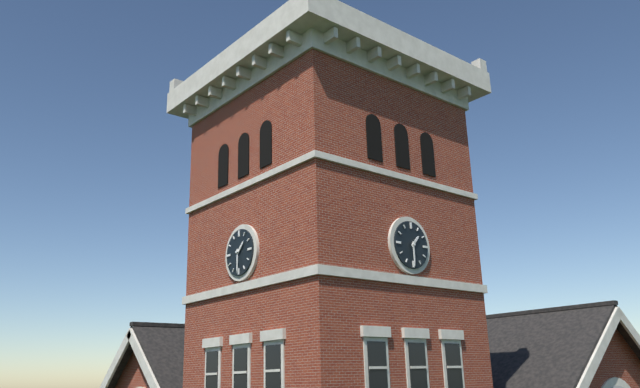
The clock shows 1 h 30 min
